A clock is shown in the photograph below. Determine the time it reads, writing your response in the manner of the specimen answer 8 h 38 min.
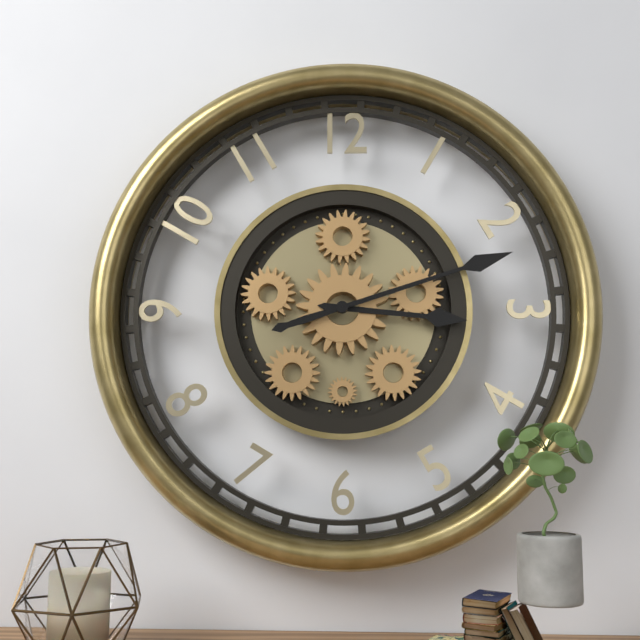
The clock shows 3 h 12 min
